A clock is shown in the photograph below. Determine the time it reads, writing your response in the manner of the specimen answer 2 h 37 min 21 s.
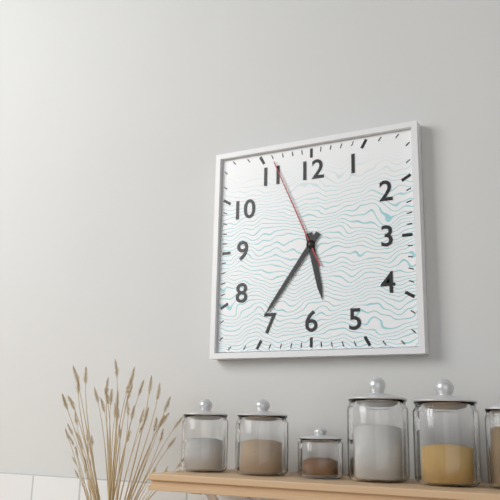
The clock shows 5 h 36 min 56 s
